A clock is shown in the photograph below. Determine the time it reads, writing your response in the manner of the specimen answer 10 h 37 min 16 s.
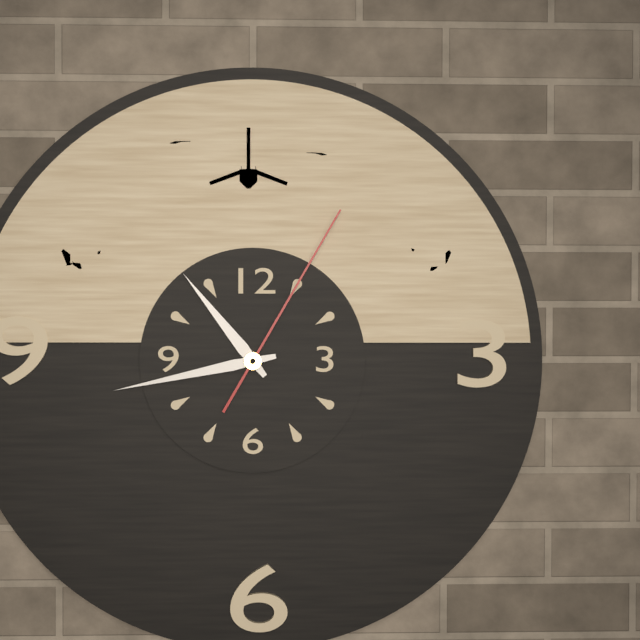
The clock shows 10 h 43 min 05 s
